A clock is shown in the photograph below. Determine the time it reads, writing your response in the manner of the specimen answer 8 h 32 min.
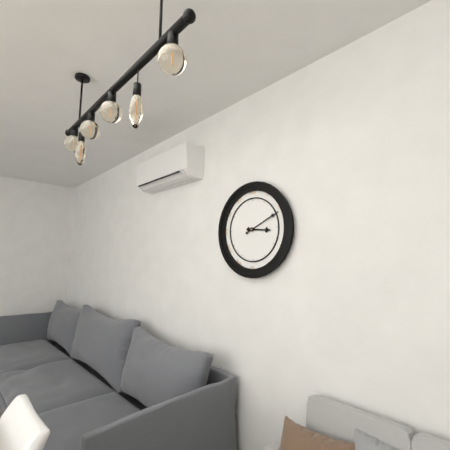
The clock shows 3 h 11 min
